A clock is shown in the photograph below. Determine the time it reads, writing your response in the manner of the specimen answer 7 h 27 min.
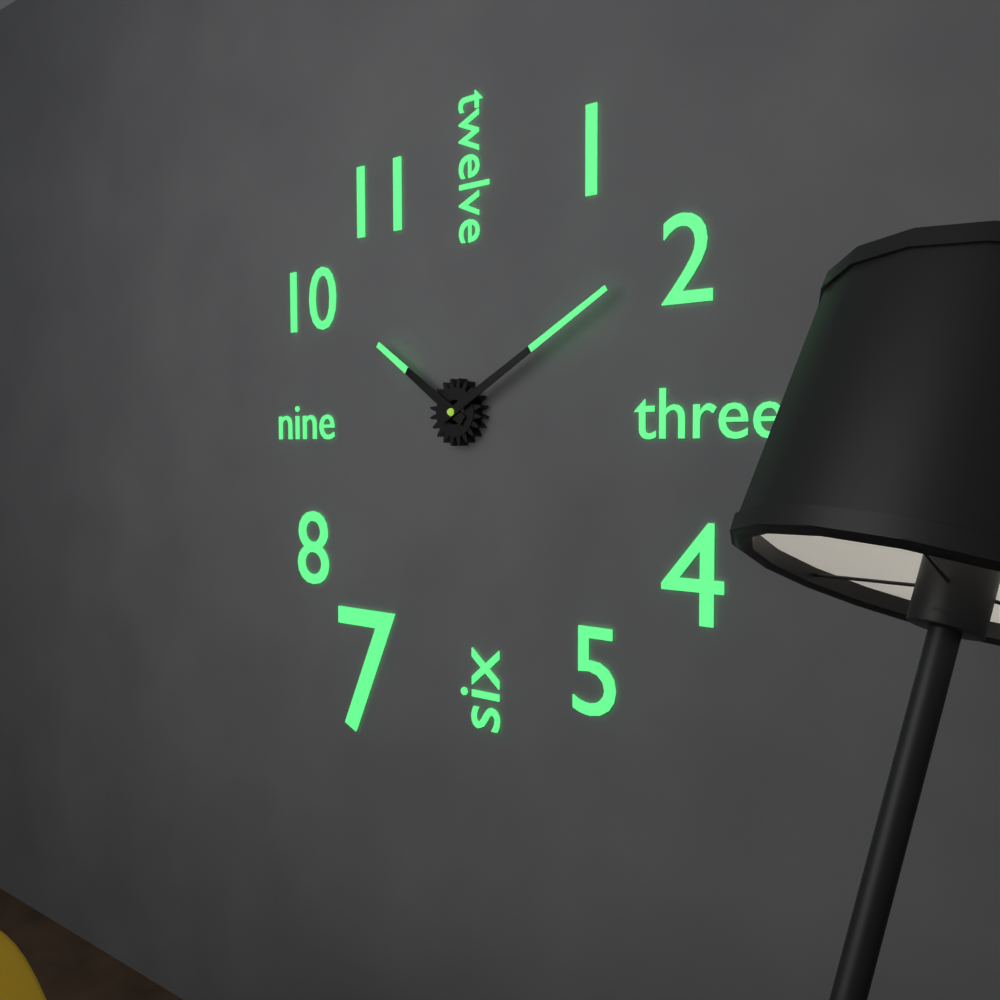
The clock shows 10 h 10 min
